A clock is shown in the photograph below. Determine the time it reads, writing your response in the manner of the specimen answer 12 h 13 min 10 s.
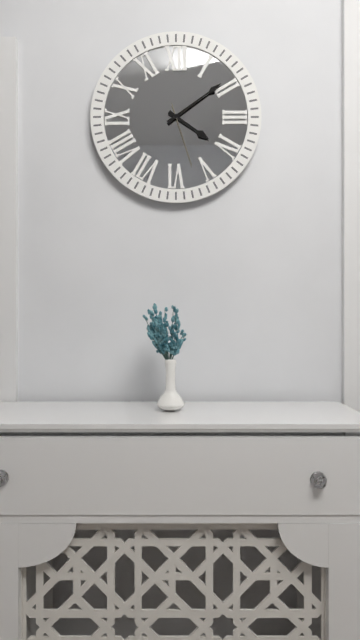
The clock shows 4 h 09 min 27 s
